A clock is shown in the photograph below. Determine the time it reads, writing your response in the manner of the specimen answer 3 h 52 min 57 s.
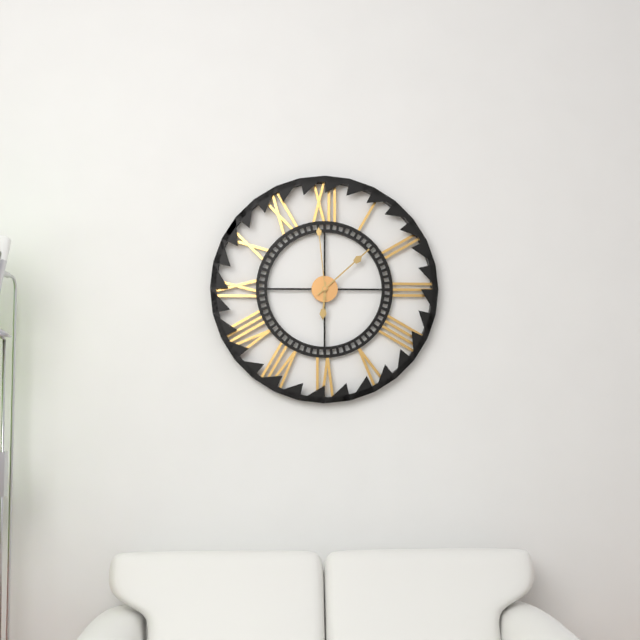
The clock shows 6 h 08 min 59 s
